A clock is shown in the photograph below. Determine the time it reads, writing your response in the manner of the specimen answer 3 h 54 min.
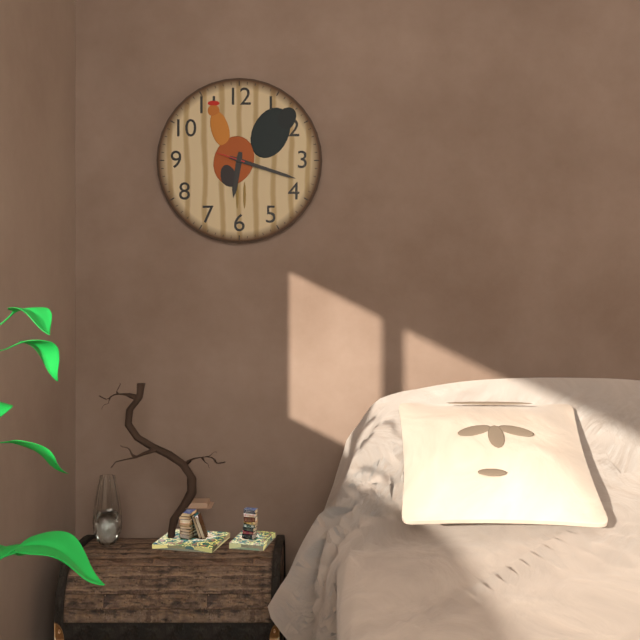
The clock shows 6 h 18 min
